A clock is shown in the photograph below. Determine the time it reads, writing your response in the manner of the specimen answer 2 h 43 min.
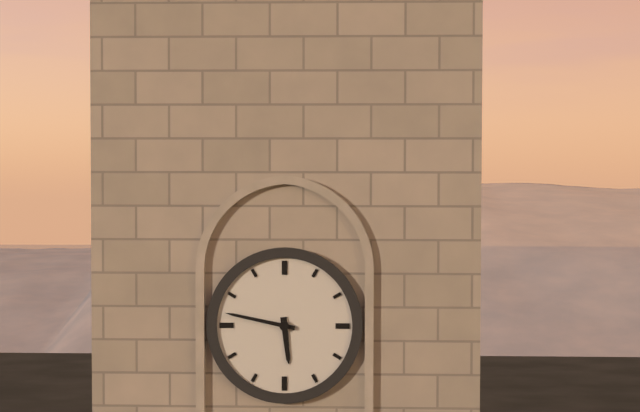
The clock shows 5 h 47 min
